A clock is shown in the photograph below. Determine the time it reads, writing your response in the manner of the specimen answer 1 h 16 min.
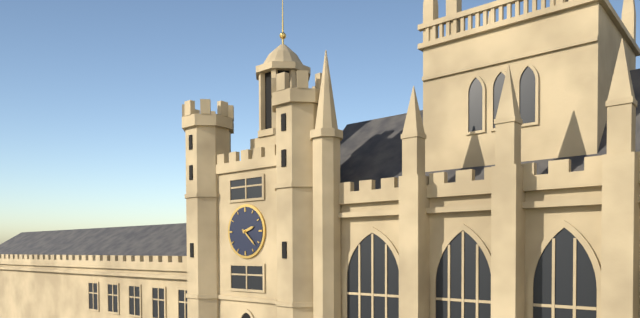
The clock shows 2 h 22 min
